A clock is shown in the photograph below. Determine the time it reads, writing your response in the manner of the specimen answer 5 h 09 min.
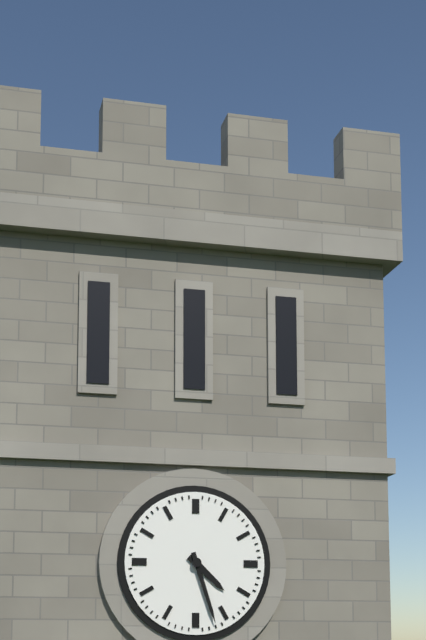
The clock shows 4 h 27 min
